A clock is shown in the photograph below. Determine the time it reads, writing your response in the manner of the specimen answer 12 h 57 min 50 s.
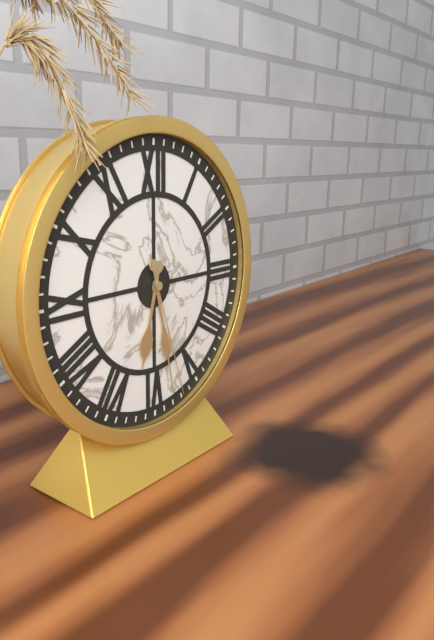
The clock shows 6 h 28 min 27 s
